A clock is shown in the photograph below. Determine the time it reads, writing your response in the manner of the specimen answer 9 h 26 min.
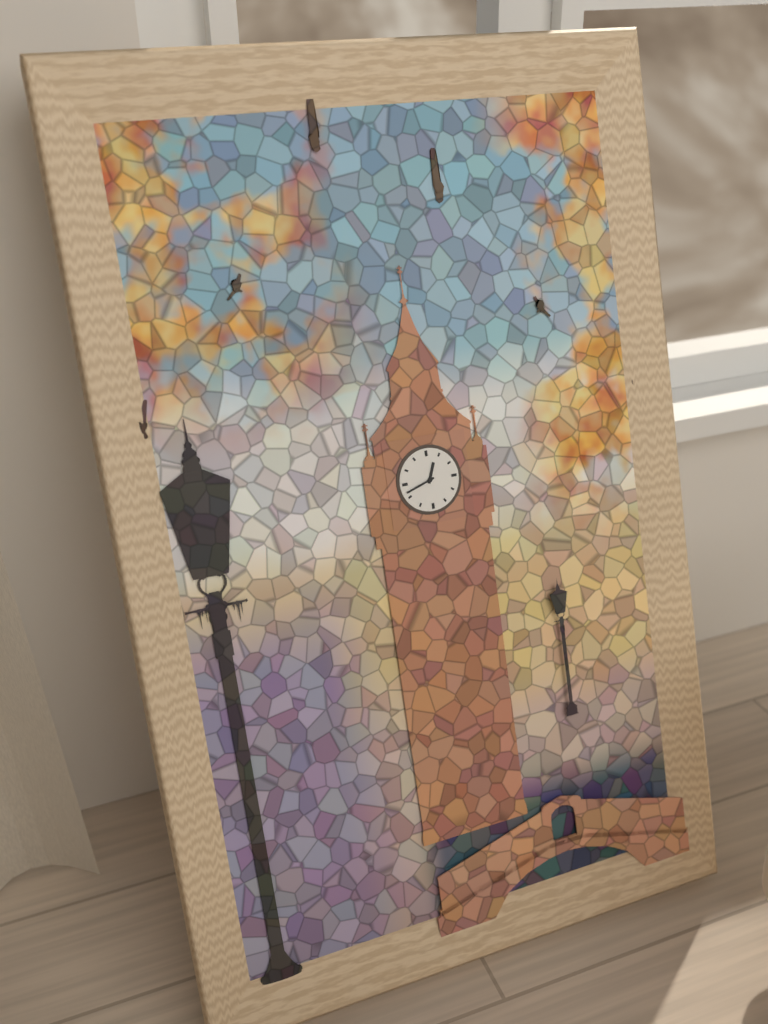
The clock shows 12 h 42 min
